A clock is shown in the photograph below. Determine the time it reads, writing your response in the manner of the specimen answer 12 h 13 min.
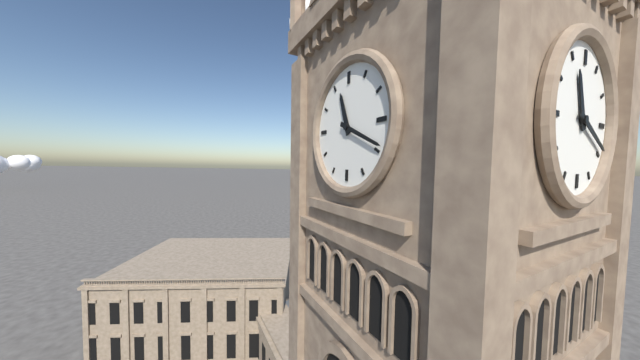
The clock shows 11 h 19 min
